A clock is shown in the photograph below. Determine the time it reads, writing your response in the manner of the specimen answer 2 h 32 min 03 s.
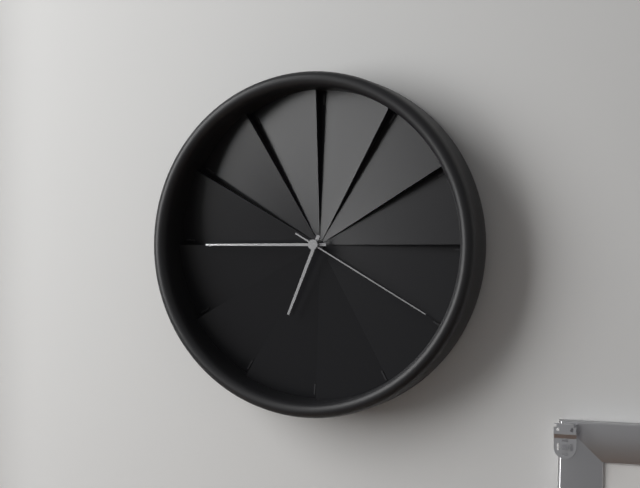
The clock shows 6 h 45 min 20 s
